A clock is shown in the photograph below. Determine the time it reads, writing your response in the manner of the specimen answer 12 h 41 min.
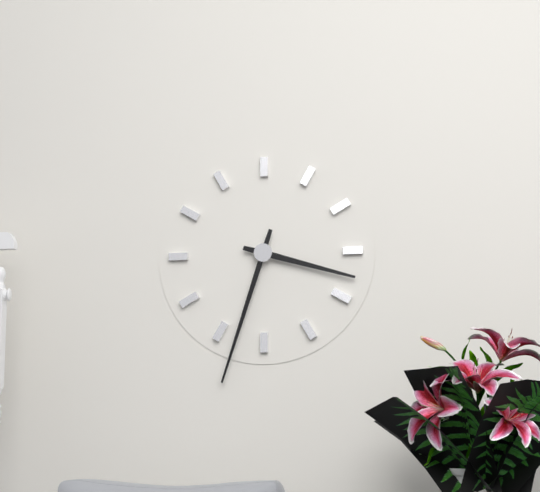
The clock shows 3 h 33 min
